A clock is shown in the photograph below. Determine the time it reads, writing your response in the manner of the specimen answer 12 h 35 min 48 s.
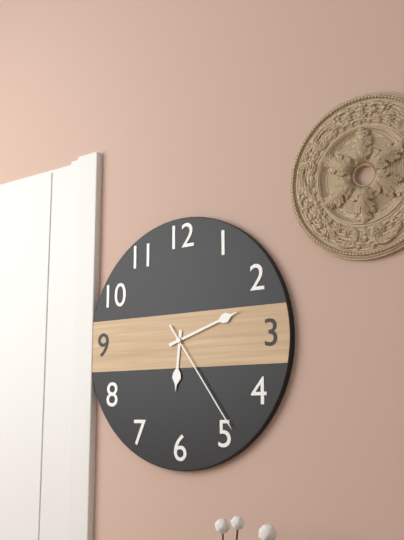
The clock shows 6 h 12 min 24 s
